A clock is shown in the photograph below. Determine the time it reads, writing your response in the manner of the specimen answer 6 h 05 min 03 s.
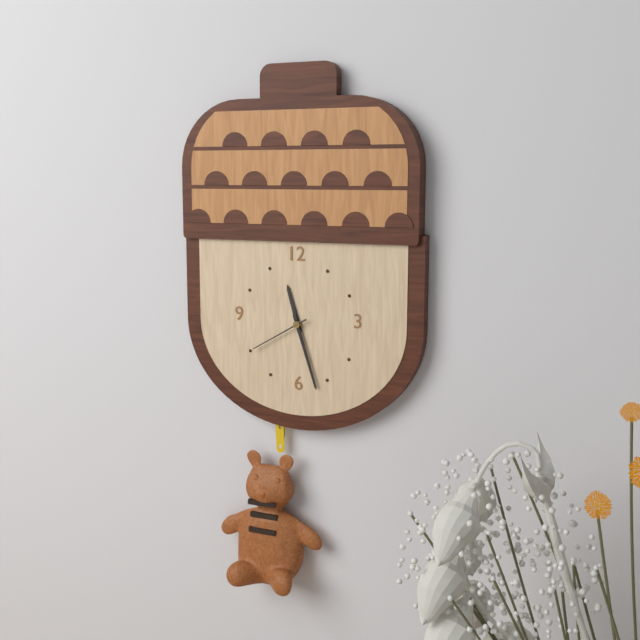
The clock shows 11 h 27 min 40 s
